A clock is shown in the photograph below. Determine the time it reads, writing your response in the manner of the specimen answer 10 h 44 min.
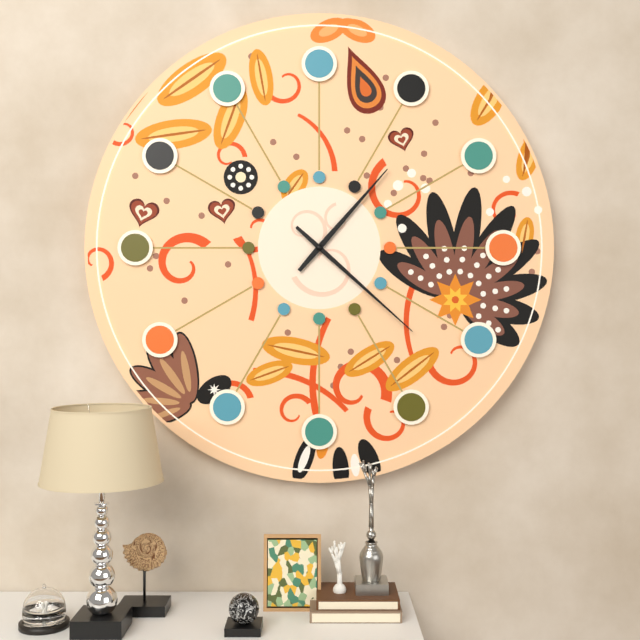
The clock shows 1 h 22 min
